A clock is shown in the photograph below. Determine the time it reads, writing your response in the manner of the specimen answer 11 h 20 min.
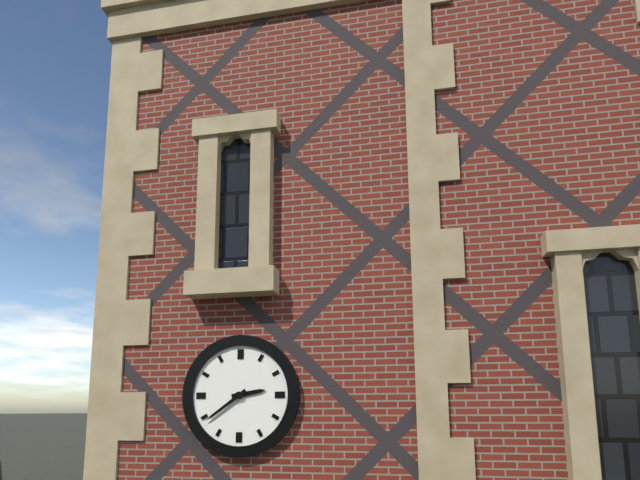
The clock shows 2 h 39 min
